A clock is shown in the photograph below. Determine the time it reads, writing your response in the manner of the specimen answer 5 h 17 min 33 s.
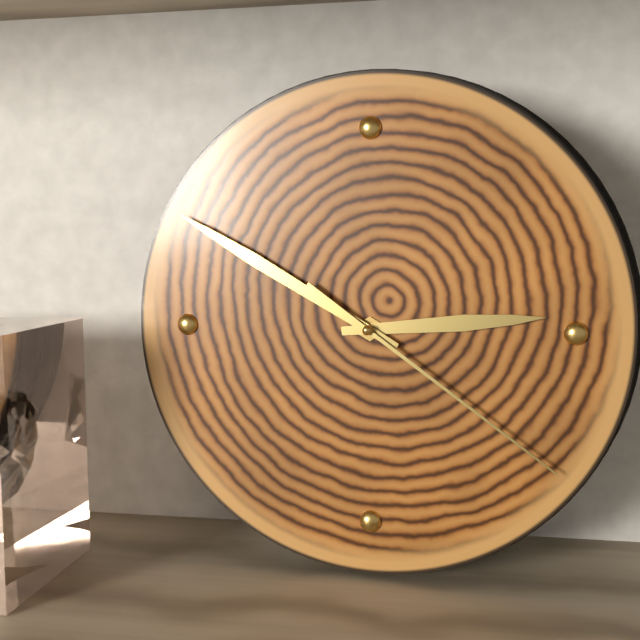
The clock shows 2 h 50 min 21 s
